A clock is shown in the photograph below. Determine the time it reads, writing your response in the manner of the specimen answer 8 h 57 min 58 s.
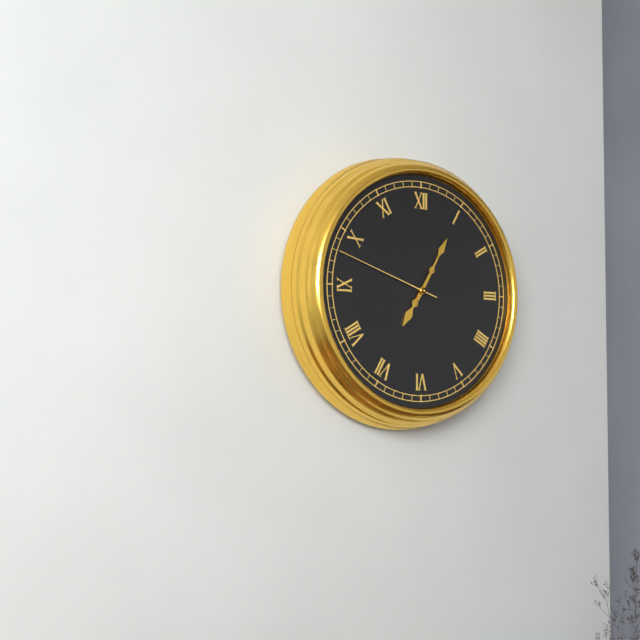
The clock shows 7 h 05 min 48 s
